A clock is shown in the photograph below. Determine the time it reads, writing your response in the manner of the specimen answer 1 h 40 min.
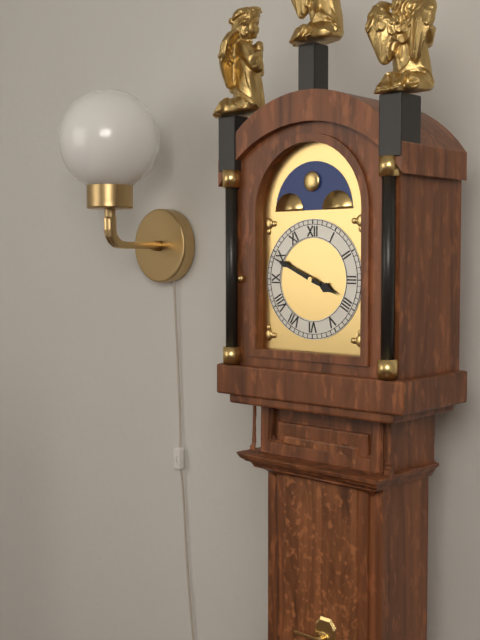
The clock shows 3 h 49 min
